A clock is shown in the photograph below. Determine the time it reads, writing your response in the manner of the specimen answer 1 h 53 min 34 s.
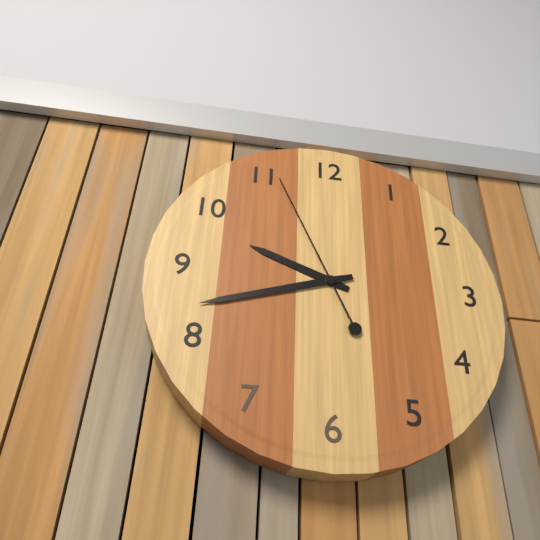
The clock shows 9 h 42 min 56 s
